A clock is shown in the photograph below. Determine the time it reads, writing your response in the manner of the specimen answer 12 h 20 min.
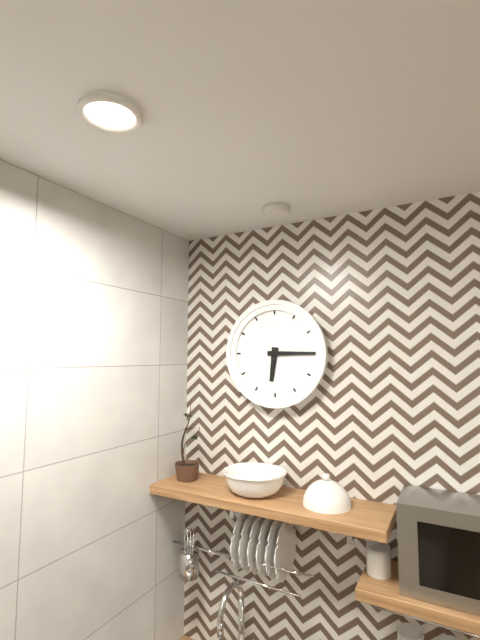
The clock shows 6 h 15 min
